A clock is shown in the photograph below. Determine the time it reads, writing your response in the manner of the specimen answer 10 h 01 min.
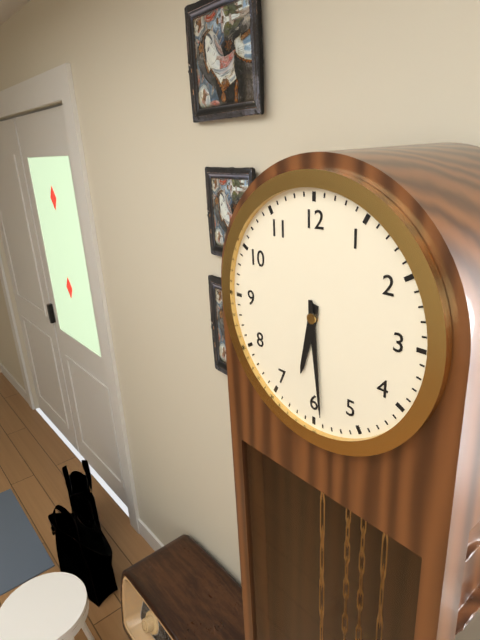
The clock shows 6 h 29 min
